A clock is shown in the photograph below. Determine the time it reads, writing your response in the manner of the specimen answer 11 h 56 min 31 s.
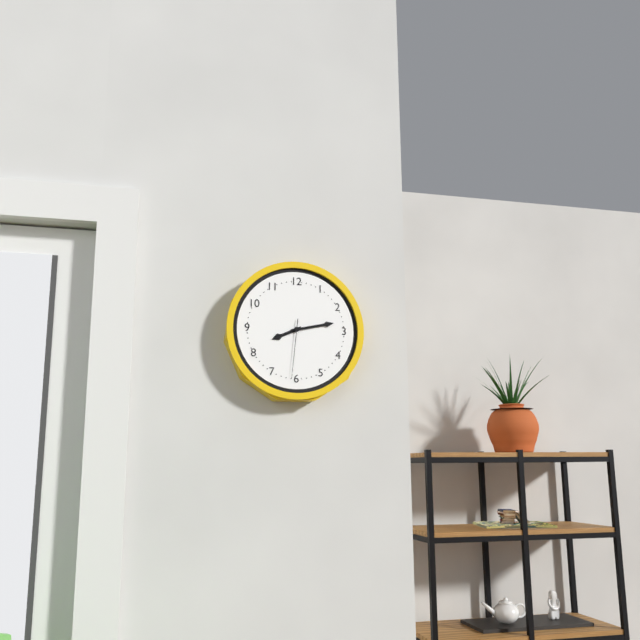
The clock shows 8 h 13 min 31 s
